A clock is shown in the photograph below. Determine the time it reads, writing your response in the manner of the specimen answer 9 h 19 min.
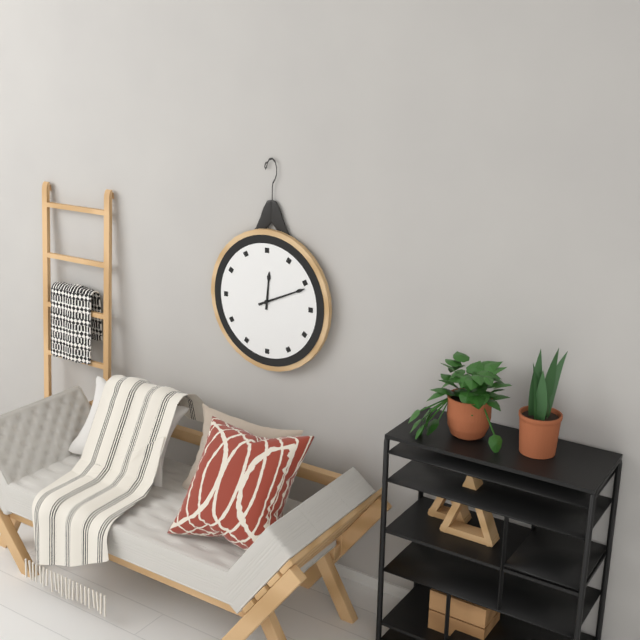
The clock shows 12 h 11 min
